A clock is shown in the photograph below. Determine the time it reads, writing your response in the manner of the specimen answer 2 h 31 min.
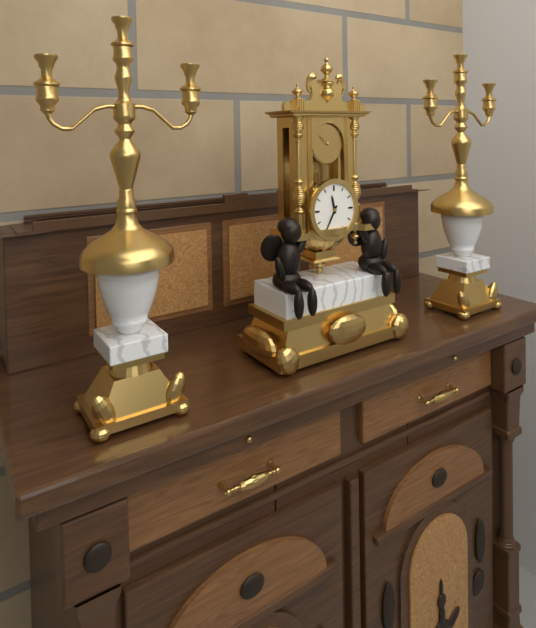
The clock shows 11 h 35 min
